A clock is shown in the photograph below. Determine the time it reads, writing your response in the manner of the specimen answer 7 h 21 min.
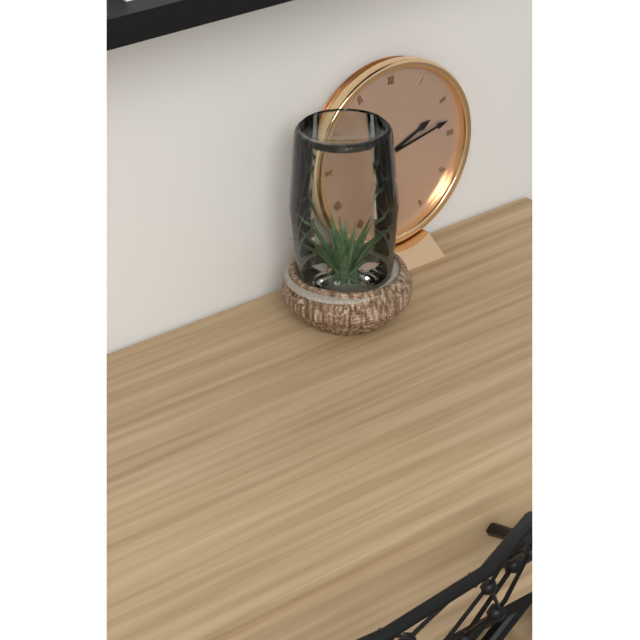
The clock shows 2 h 13 min
